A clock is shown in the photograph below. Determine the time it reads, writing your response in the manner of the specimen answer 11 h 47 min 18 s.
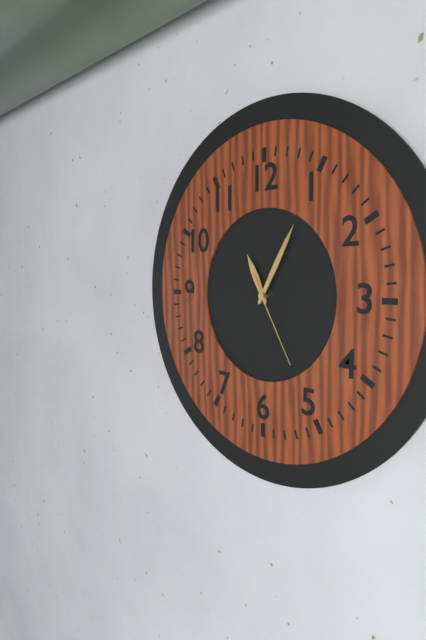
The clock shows 11 h 05 min 25 s
